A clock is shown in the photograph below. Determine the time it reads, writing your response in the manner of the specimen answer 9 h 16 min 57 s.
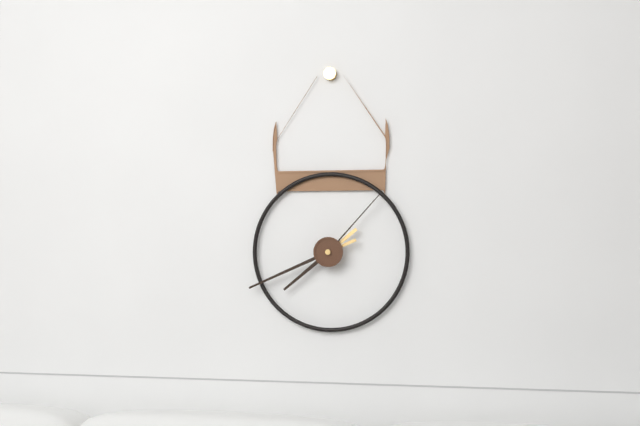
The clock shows 7 h 41 min 07 s
